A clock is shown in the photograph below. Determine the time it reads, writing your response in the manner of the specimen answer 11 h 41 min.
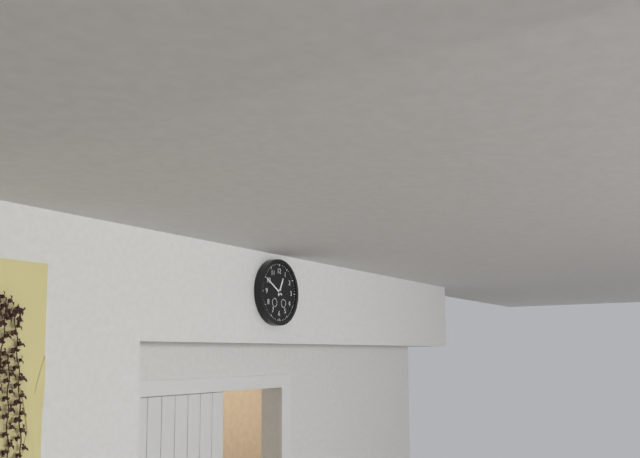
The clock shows 12 h 50 min
